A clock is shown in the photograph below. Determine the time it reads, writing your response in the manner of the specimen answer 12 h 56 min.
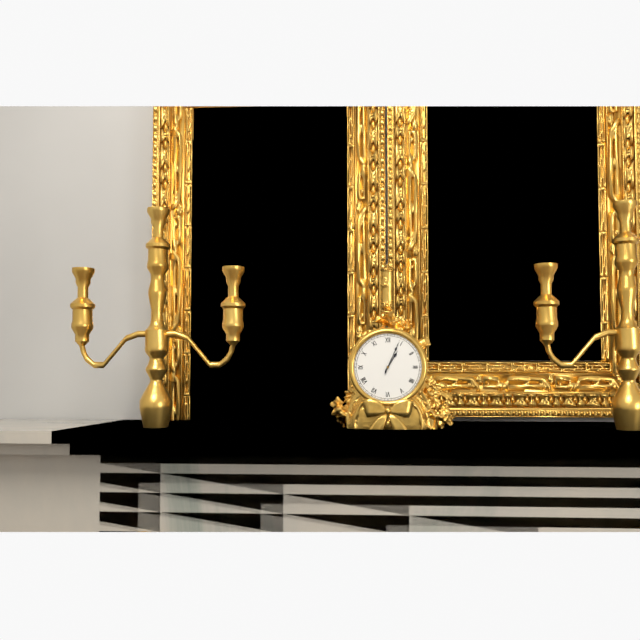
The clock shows 1 h 04 min
